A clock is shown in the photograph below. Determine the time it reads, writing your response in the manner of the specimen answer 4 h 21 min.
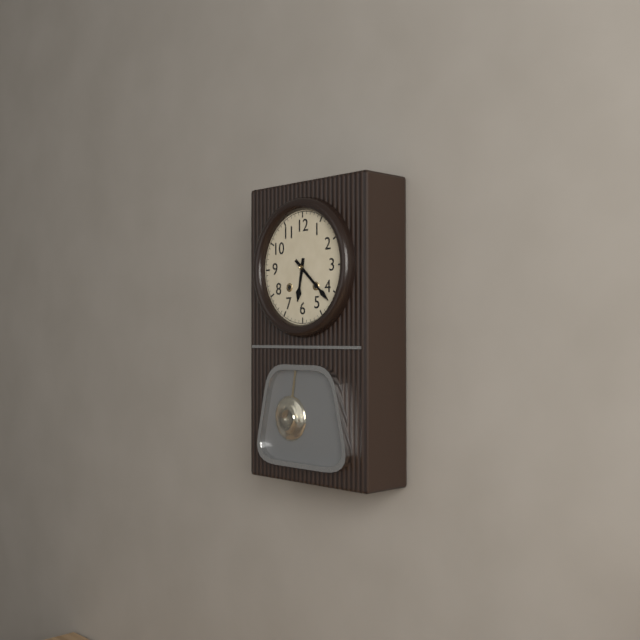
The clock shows 6 h 22 min
